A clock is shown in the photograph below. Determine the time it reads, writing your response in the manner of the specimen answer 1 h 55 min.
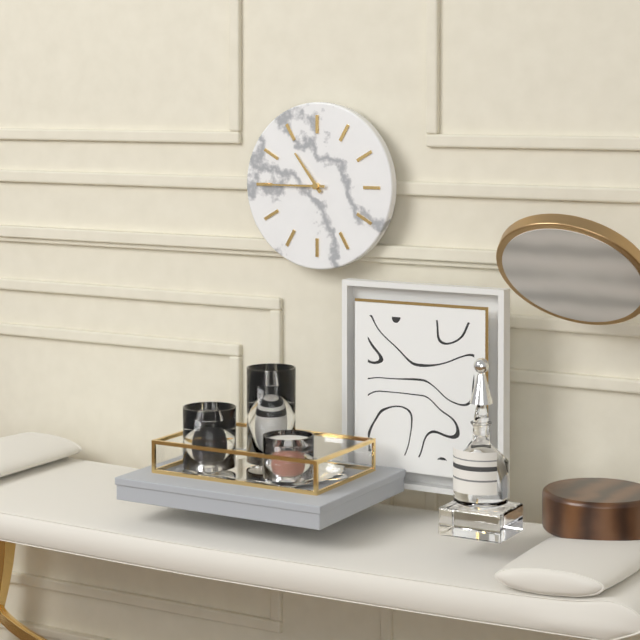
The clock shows 10 h 45 min
